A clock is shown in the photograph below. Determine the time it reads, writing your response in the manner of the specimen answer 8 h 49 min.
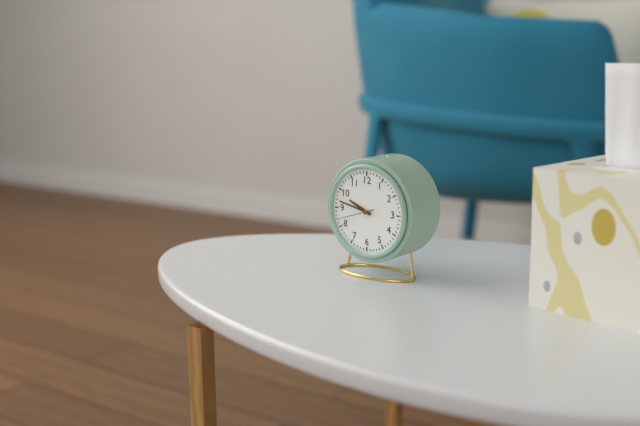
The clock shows 9 h 47 min
